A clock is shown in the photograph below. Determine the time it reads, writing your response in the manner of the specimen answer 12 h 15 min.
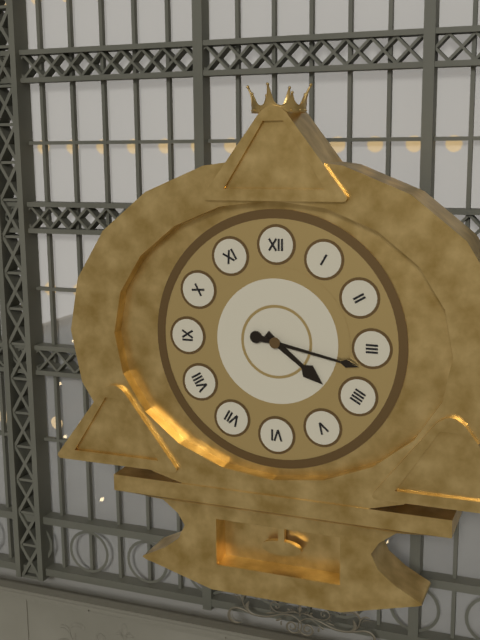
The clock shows 4 h 17 min
